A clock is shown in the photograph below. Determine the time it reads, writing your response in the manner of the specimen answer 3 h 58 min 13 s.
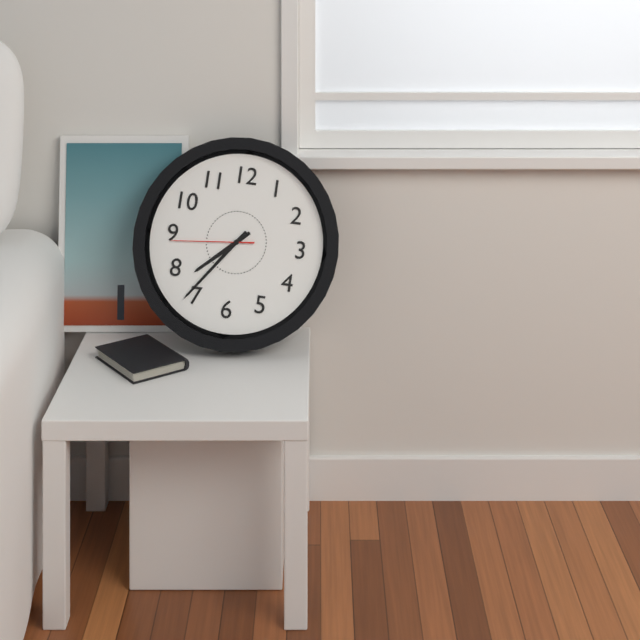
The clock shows 7 h 36 min 44 s
